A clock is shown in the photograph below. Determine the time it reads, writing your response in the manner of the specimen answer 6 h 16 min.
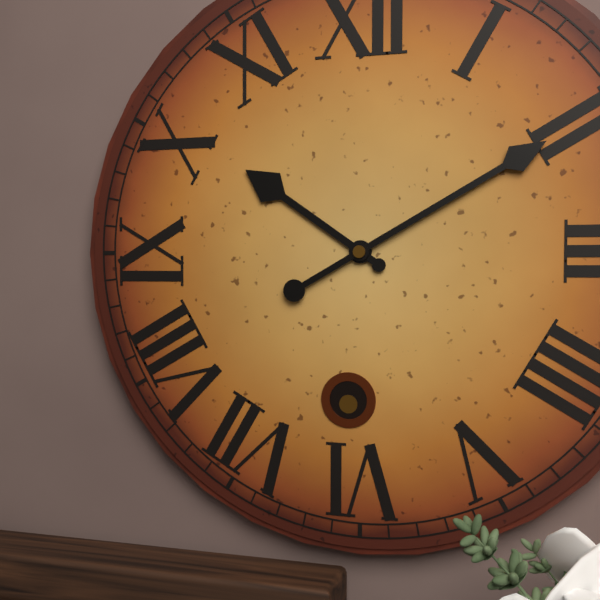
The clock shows 10 h 10 min
